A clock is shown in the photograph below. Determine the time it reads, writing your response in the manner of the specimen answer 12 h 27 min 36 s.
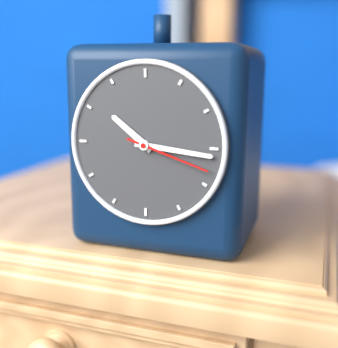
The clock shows 10 h 16 min 18 s
